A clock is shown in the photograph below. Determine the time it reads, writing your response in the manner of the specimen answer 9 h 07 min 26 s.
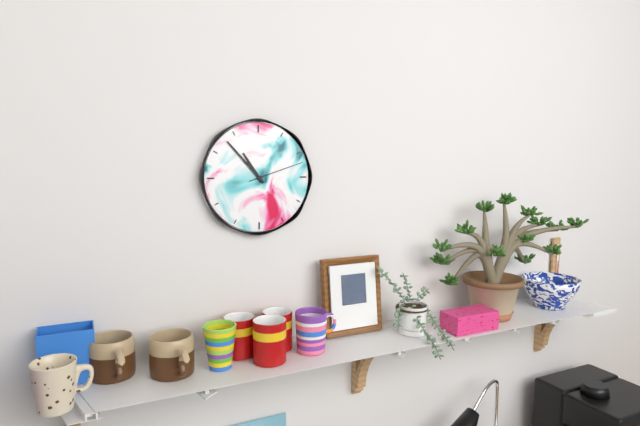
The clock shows 10 h 53 min 12 s
